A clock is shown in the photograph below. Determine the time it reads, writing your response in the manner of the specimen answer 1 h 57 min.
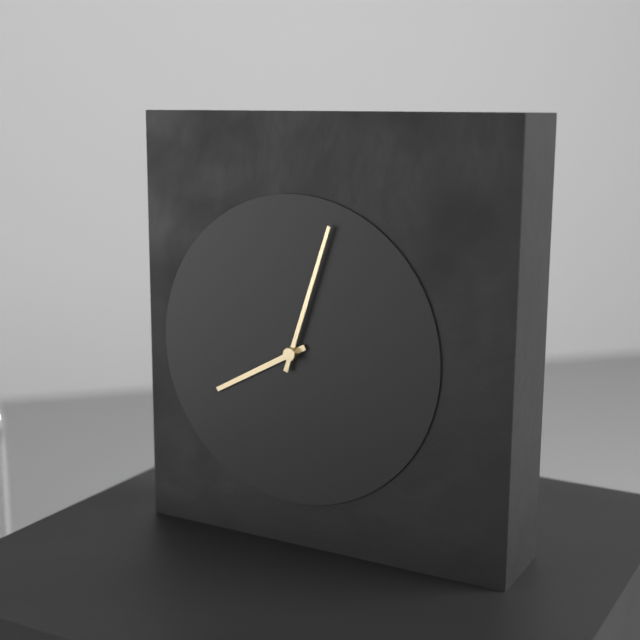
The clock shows 8 h 03 min
